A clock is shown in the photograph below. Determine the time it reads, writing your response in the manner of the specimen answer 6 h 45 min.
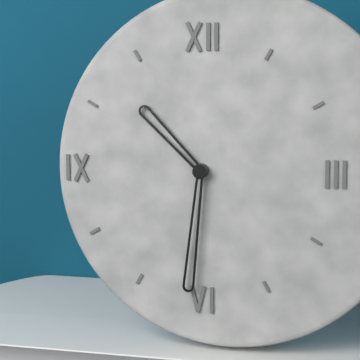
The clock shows 10 h 31 min
